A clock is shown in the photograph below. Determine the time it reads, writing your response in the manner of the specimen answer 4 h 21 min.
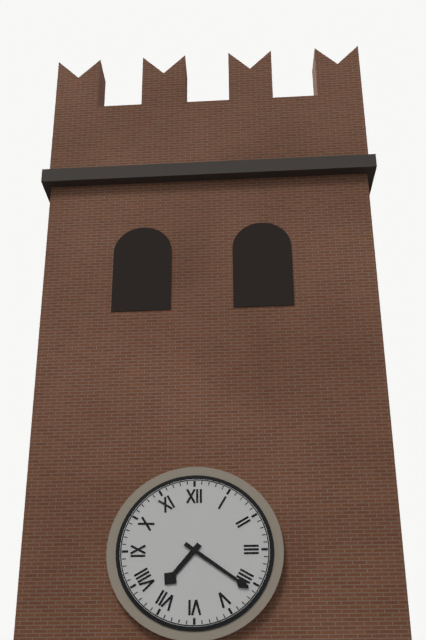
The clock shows 7 h 21 min
